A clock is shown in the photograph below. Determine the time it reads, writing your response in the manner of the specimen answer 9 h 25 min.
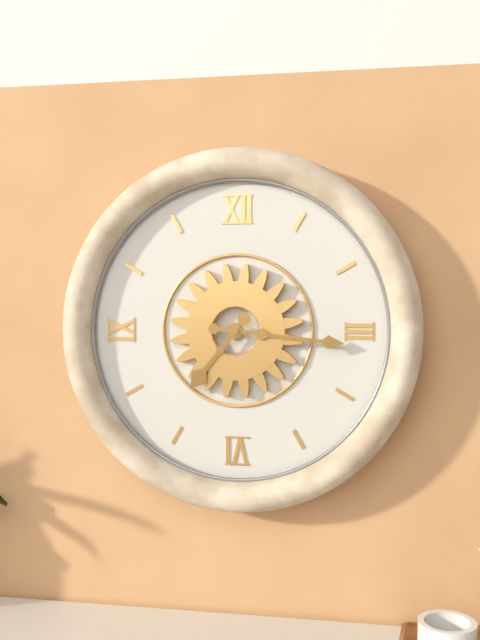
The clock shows 7 h 16 min
